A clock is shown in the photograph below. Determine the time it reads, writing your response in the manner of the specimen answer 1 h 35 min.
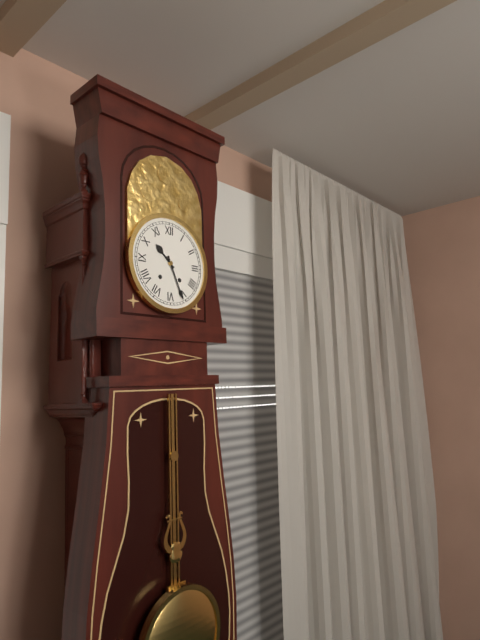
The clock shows 10 h 26 min
